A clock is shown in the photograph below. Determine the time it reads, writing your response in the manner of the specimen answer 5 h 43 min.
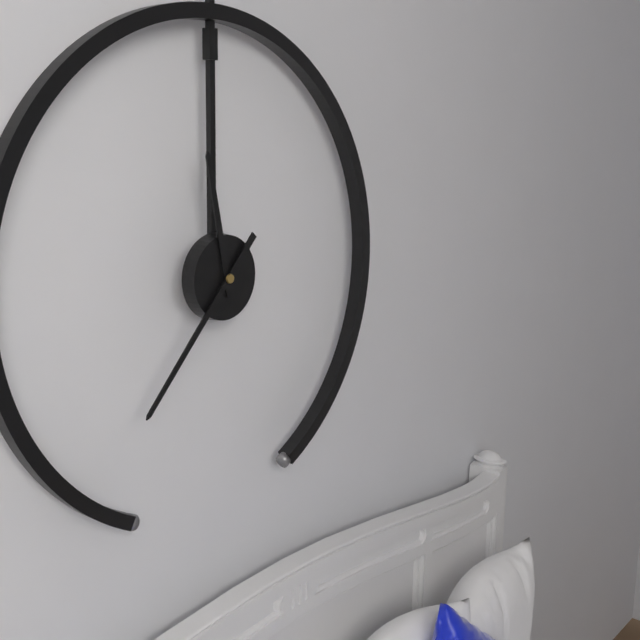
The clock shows 11 h 37 min
